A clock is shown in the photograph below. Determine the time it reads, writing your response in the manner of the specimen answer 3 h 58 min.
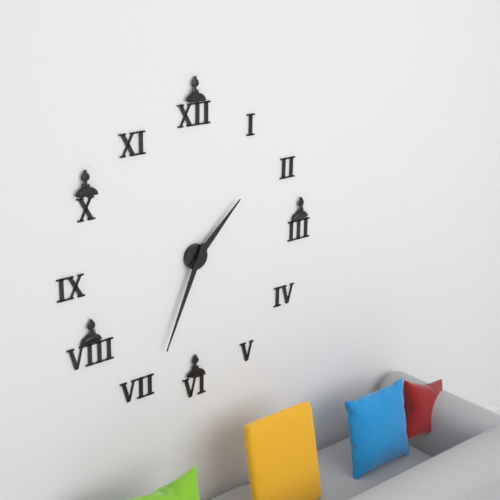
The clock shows 1 h 34 min
